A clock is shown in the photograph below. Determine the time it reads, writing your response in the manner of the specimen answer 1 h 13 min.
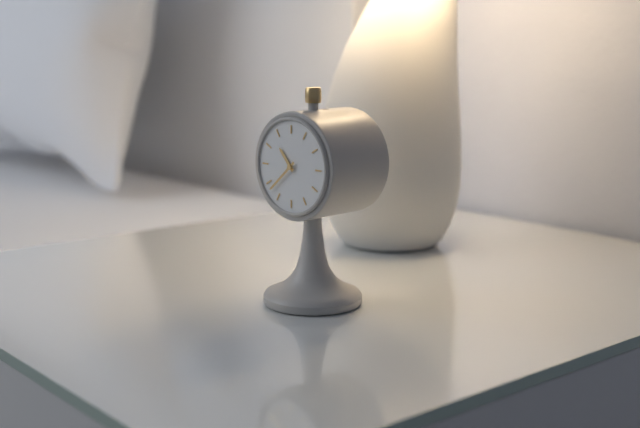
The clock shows 10 h 38 min
